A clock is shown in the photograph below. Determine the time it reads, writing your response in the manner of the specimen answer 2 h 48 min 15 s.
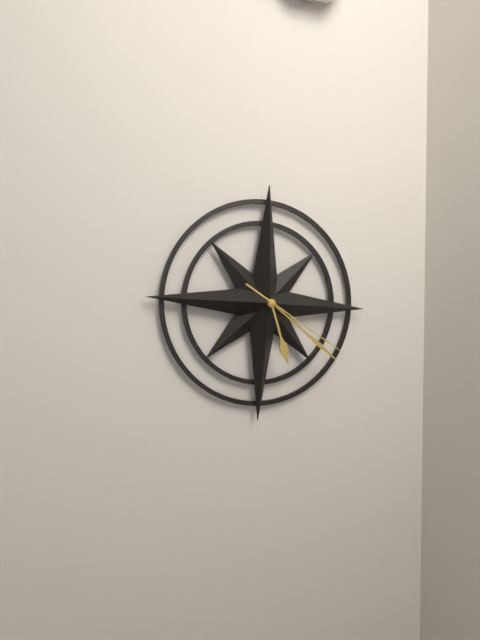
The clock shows 5 h 21 min 20 s
